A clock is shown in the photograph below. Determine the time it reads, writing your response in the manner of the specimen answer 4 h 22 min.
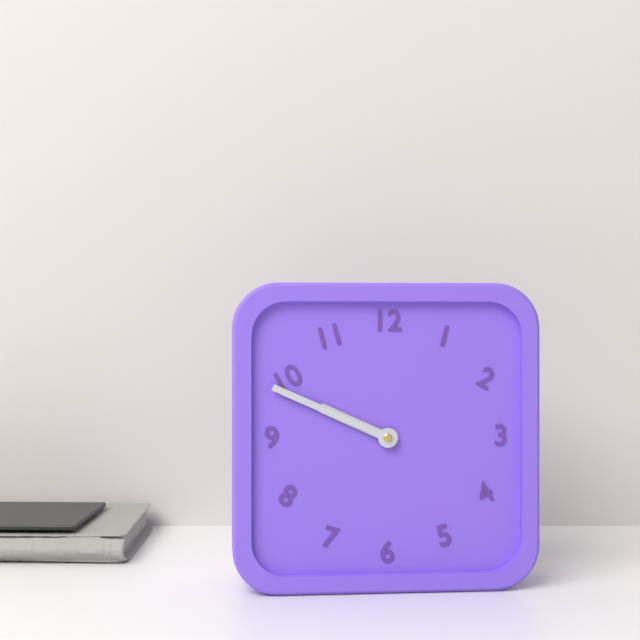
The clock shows 9 h 49 min
